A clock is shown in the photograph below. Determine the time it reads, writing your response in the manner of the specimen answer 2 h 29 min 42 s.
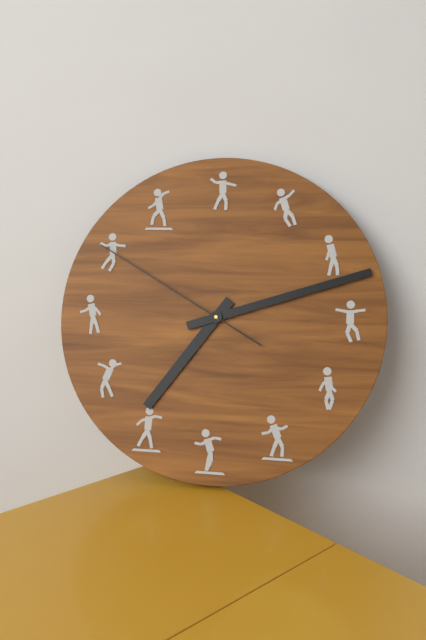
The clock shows 7 h 12 min 50 s
